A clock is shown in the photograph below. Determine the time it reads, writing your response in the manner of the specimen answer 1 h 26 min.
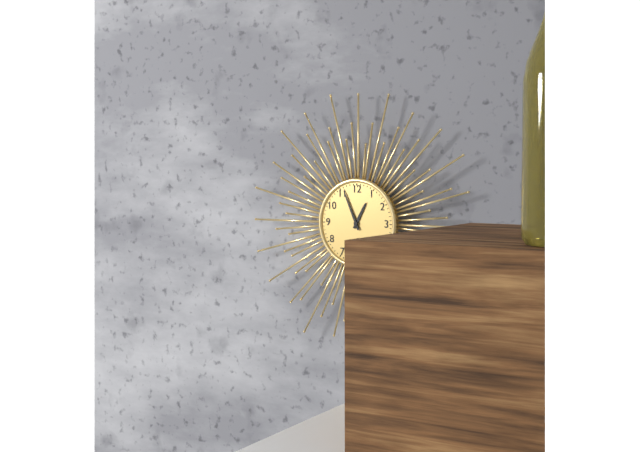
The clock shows 12 h 56 min
